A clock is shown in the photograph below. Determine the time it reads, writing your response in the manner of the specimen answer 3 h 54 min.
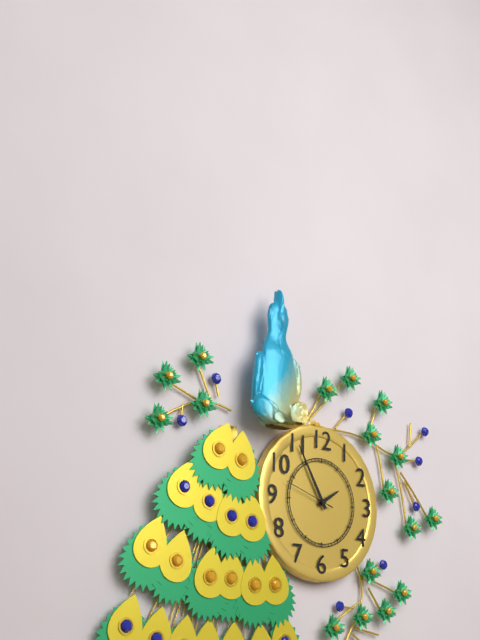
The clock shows 1 h 55 min
